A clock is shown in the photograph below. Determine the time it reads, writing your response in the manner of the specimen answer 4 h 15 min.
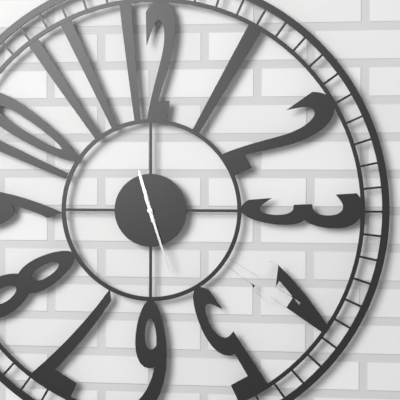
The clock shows 11 h 27 min
